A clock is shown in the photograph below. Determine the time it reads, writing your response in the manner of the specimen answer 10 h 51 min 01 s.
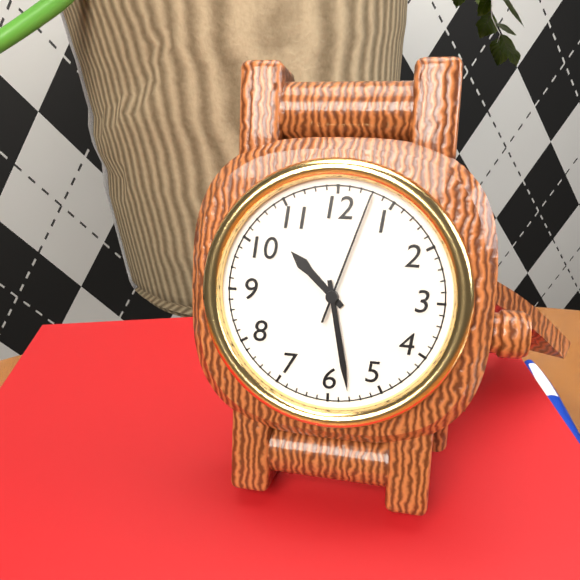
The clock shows 10 h 28 min 03 s
